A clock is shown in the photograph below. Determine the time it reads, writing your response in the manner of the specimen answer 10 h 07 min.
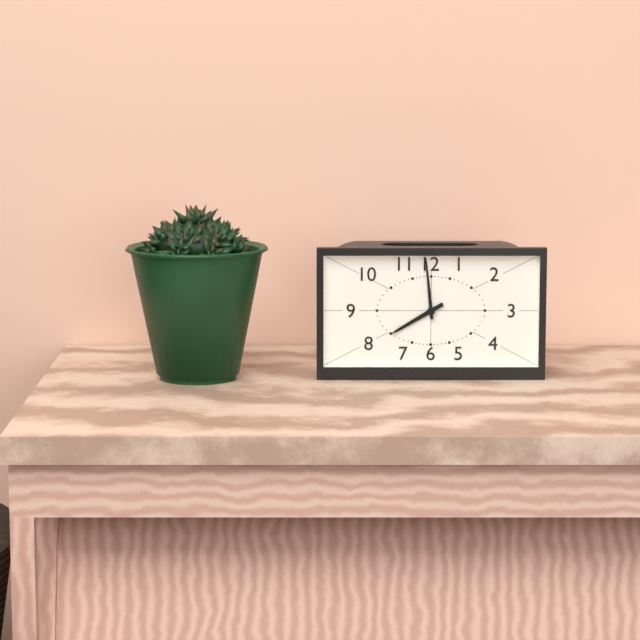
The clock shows 7 h 59 min
